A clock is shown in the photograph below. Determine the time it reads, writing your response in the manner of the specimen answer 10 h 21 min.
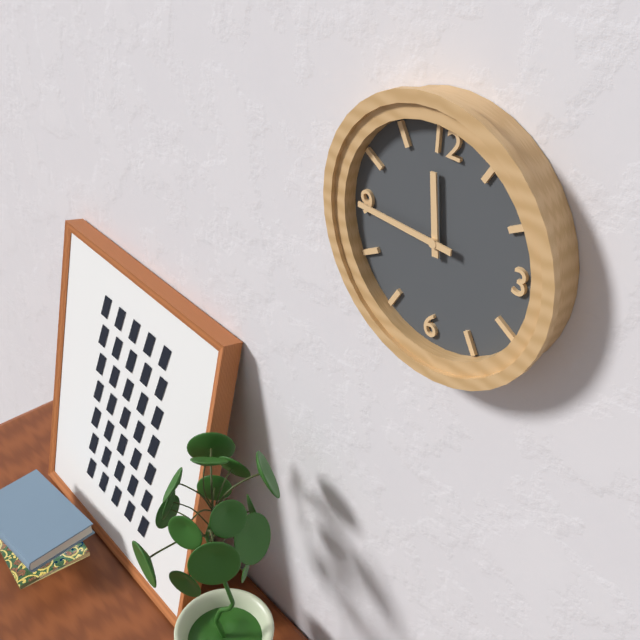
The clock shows 11 h 45 min
